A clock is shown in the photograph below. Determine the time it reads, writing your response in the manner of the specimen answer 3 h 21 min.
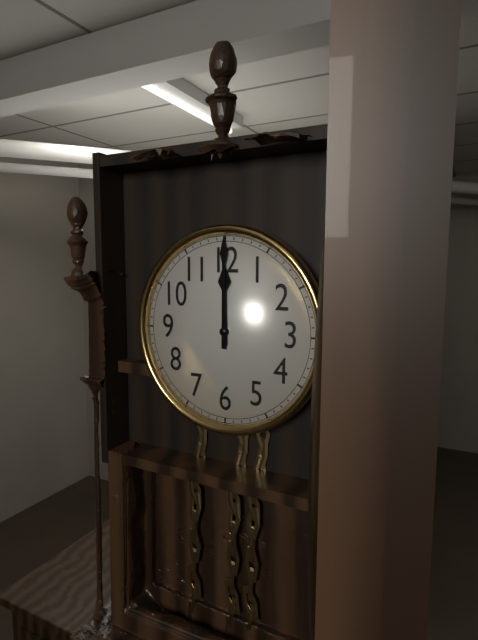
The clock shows 12 h 00 min
